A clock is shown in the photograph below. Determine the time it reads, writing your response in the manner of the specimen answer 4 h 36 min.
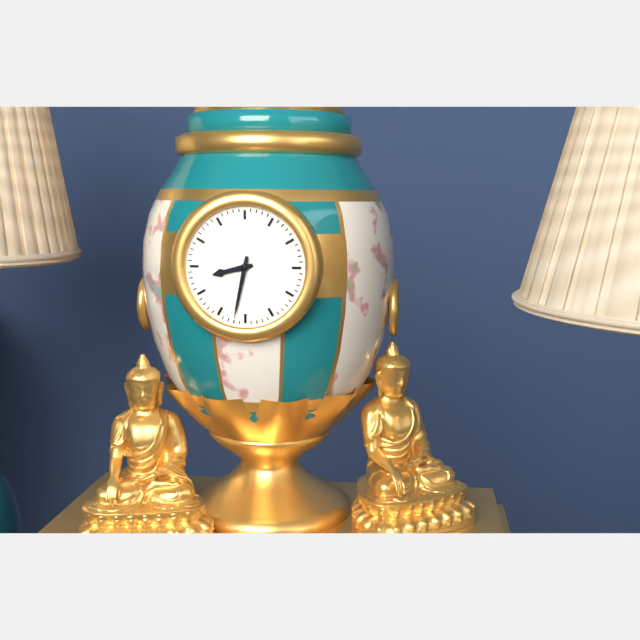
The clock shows 8 h 32 min
